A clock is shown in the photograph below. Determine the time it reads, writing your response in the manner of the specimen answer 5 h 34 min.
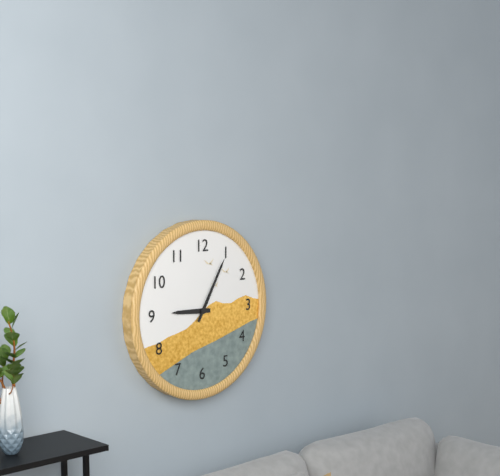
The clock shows 9 h 05 min
